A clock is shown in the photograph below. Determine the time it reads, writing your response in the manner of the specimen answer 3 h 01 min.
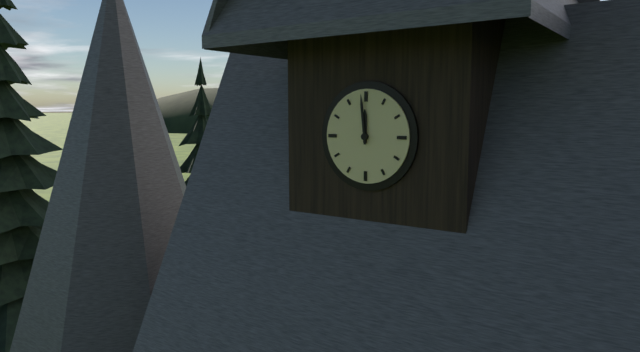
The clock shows 11 h 59 min
